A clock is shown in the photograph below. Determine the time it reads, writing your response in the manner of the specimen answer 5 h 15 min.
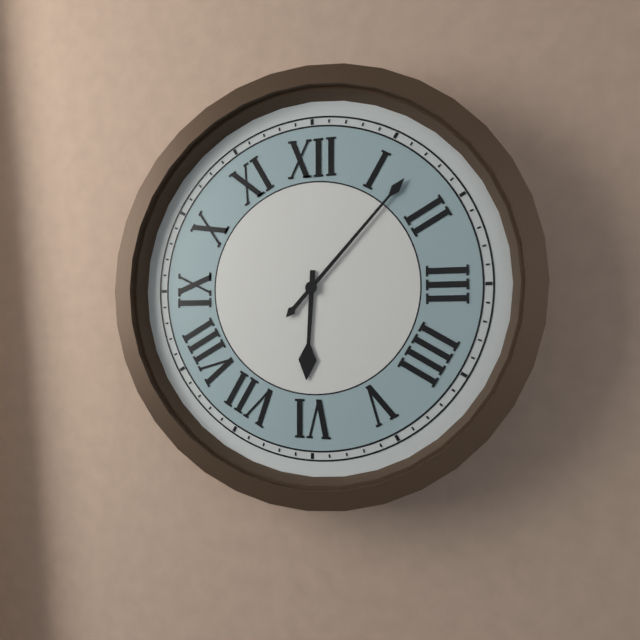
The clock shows 6 h 07 min
